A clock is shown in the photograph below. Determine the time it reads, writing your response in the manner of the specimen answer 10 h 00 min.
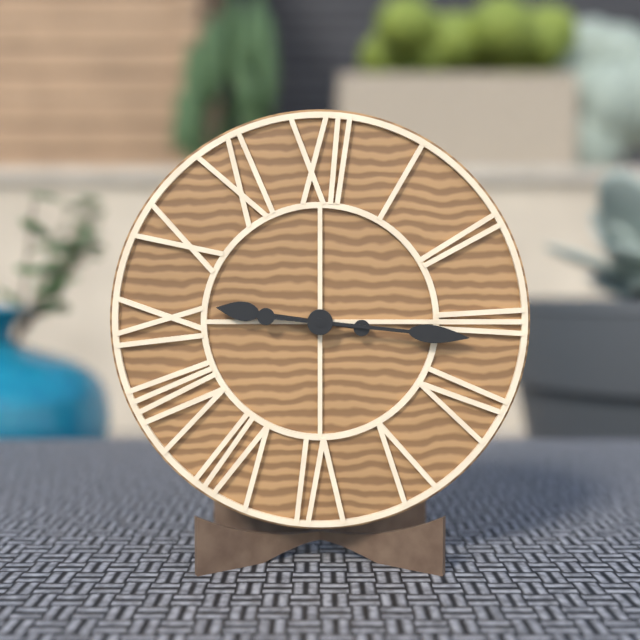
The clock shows 9 h 16 min
